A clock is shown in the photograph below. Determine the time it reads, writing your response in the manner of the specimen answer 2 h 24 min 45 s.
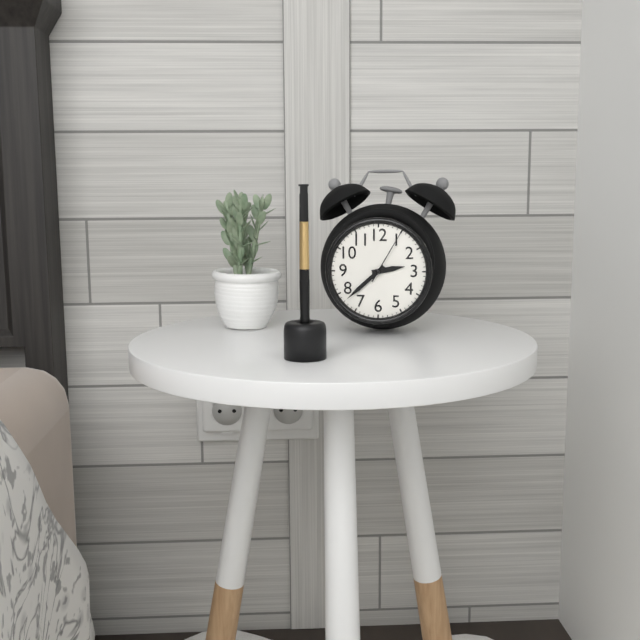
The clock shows 2 h 38 min 05 s
